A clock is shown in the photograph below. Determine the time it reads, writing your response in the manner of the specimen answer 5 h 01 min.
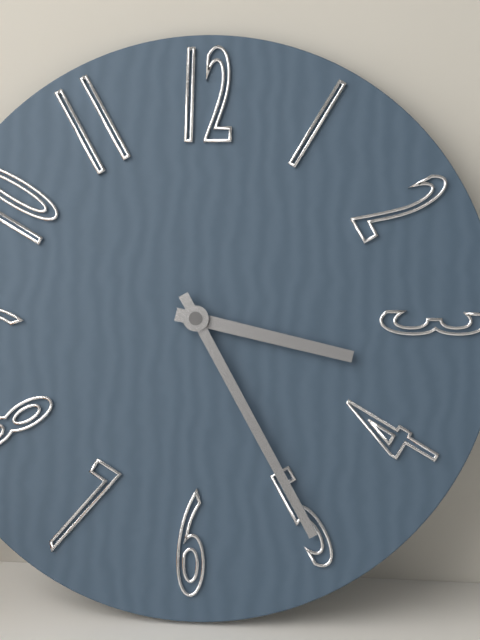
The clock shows 3 h 25 min
